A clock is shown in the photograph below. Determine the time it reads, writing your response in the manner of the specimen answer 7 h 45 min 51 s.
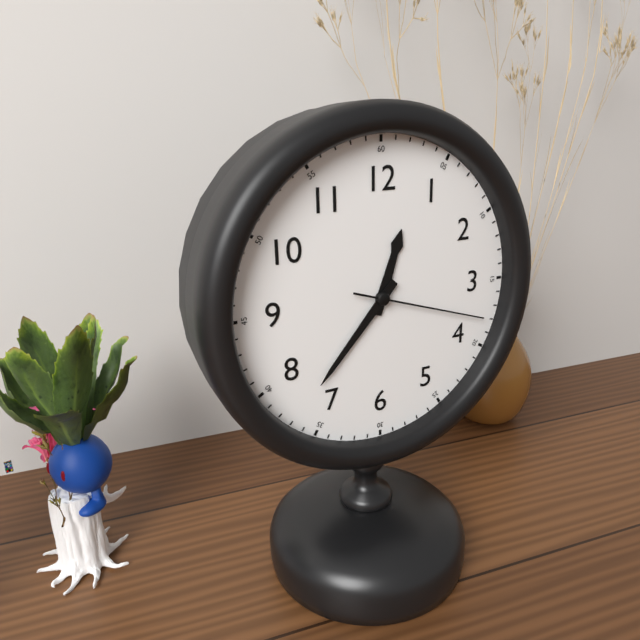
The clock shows 12 h 37 min 18 s
